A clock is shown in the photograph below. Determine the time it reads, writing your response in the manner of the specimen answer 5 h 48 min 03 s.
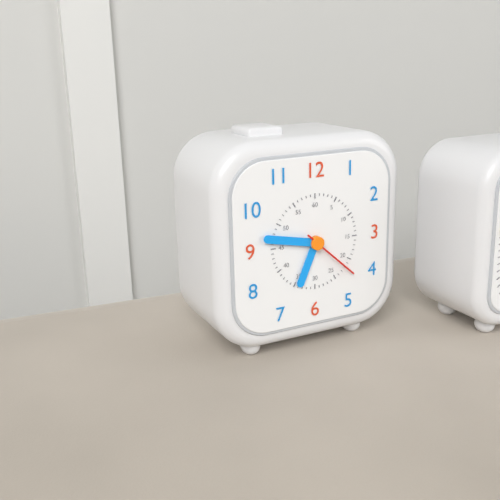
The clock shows 6 h 47 min 22 s
